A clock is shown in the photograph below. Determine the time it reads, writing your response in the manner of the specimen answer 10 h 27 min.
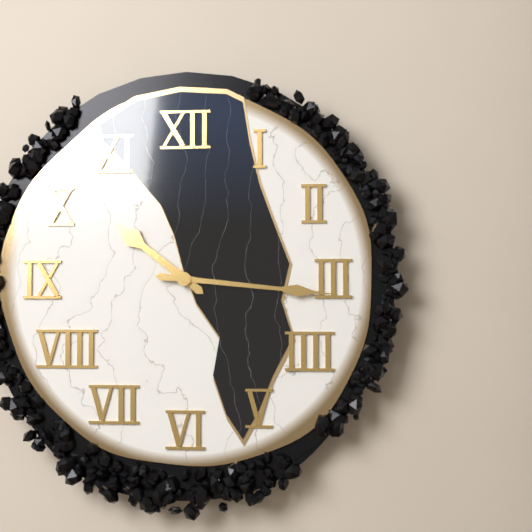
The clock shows 10 h 16 min
